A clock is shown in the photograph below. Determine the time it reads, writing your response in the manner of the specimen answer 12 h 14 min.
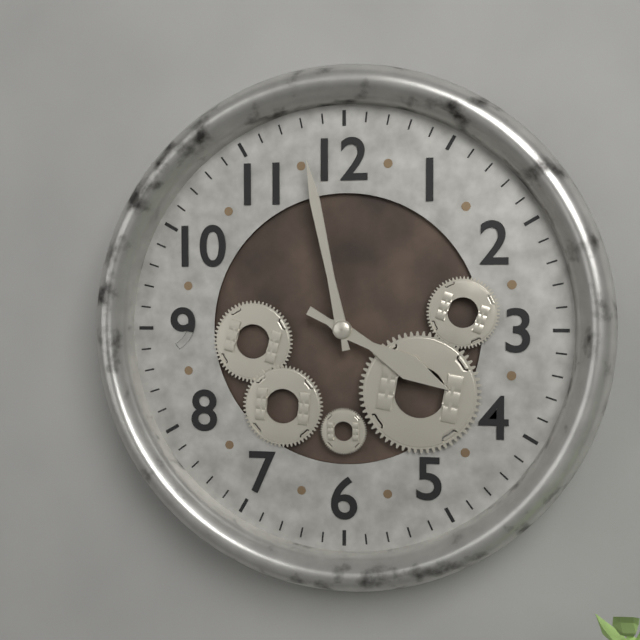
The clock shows 3 h 58 min
